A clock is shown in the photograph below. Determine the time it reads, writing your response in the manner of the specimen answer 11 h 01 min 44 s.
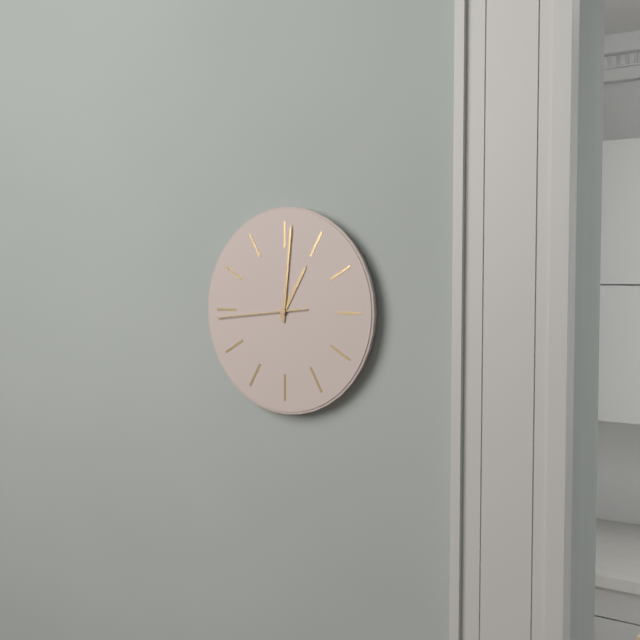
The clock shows 1 h 01 min 44 s
